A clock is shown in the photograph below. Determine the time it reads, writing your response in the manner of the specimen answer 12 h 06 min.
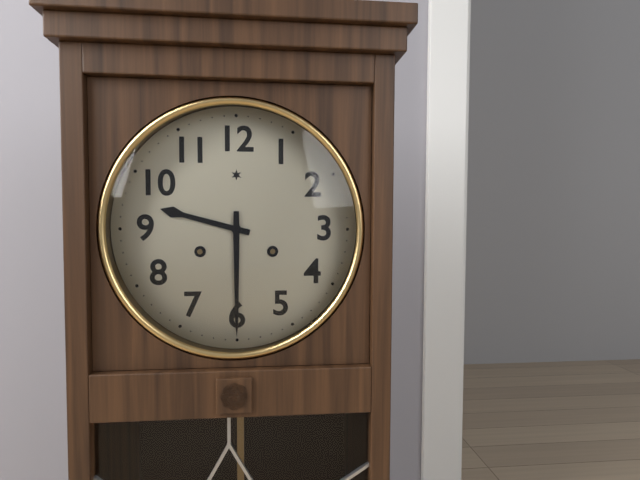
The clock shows 9 h 30 min
